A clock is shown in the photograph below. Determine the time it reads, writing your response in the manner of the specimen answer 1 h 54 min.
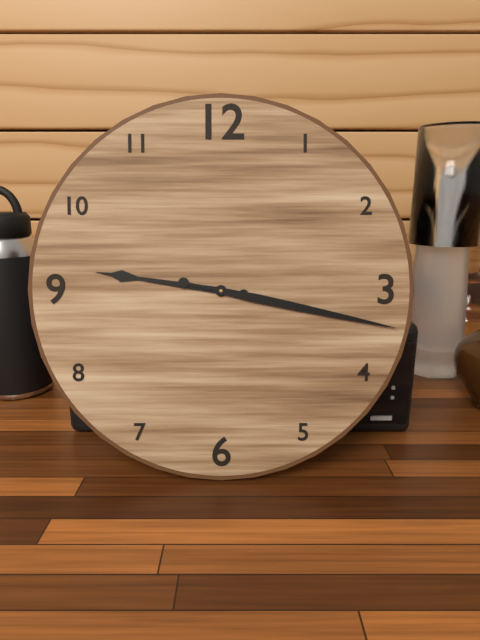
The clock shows 9 h 17 min
